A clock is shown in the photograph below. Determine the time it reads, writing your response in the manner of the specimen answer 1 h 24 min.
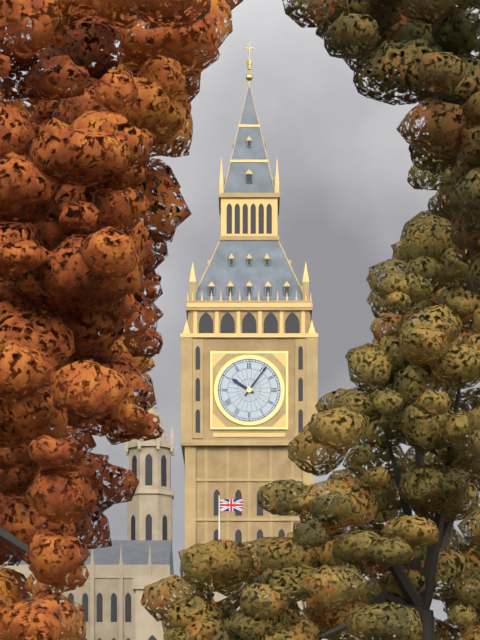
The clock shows 10 h 06 min
